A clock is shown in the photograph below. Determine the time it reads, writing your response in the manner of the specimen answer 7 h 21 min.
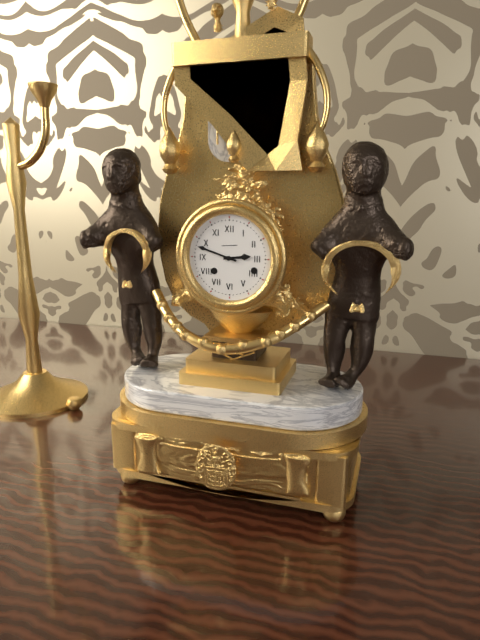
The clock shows 2 h 48 min
